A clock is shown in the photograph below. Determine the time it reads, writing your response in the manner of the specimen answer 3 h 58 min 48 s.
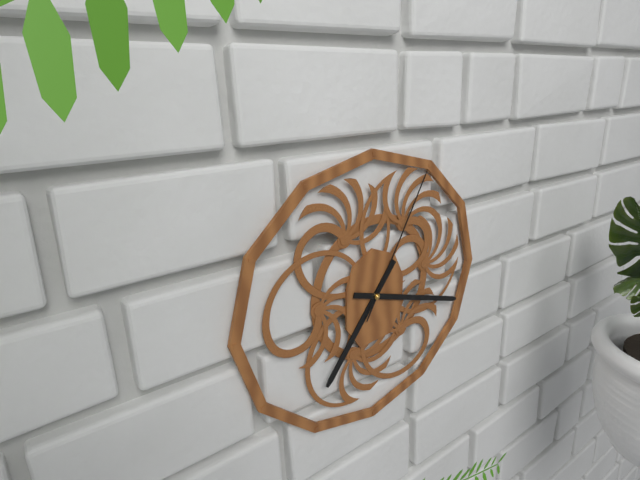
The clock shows 7 h 18 min 05 s
